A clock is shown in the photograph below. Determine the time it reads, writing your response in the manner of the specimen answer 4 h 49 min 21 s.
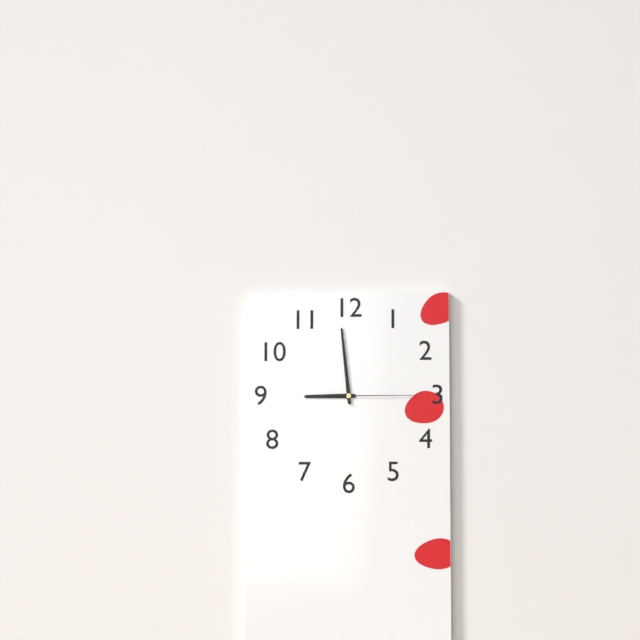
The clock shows 8 h 59 min 15 s
